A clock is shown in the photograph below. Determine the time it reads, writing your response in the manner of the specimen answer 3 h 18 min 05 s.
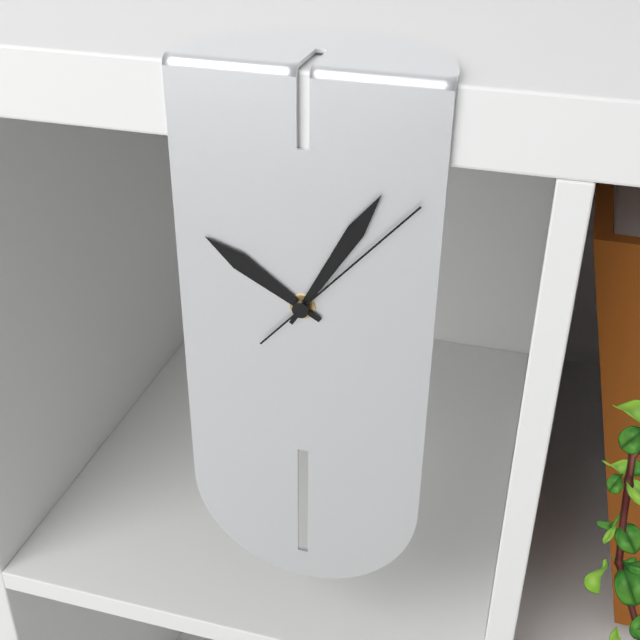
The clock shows 10 h 05 min 07 s
